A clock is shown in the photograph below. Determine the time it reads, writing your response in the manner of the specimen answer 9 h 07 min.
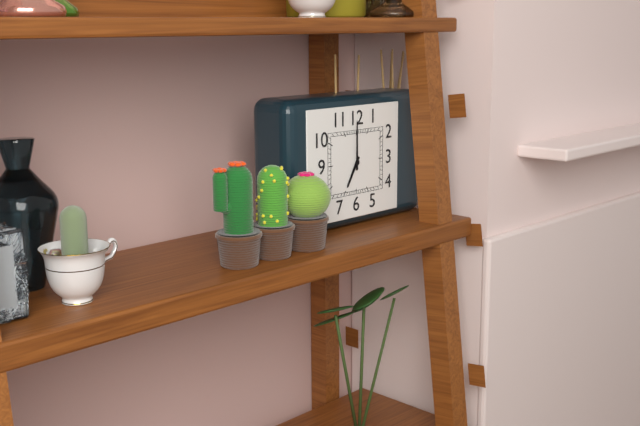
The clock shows 7 h 00 min
